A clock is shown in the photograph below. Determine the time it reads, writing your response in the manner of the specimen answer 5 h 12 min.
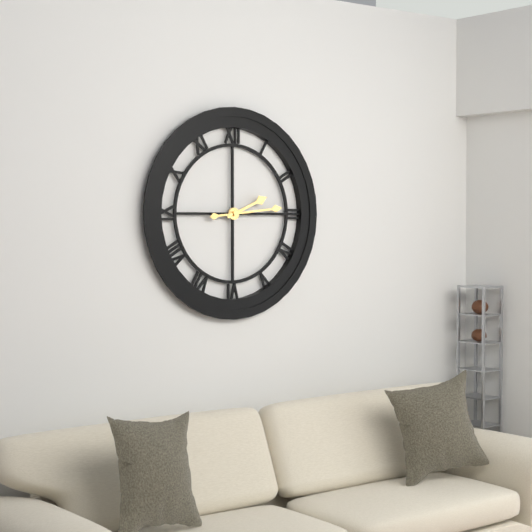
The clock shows 2 h 14 min
